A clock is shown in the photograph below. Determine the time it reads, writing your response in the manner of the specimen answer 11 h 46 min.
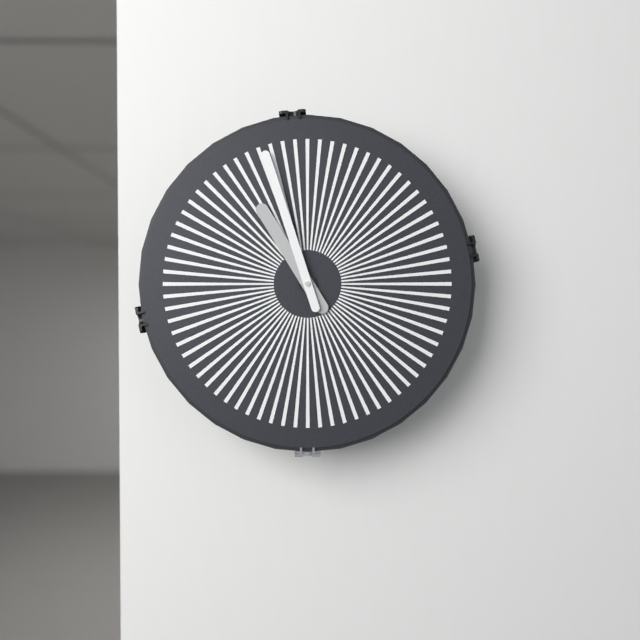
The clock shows 10 h 57 min
